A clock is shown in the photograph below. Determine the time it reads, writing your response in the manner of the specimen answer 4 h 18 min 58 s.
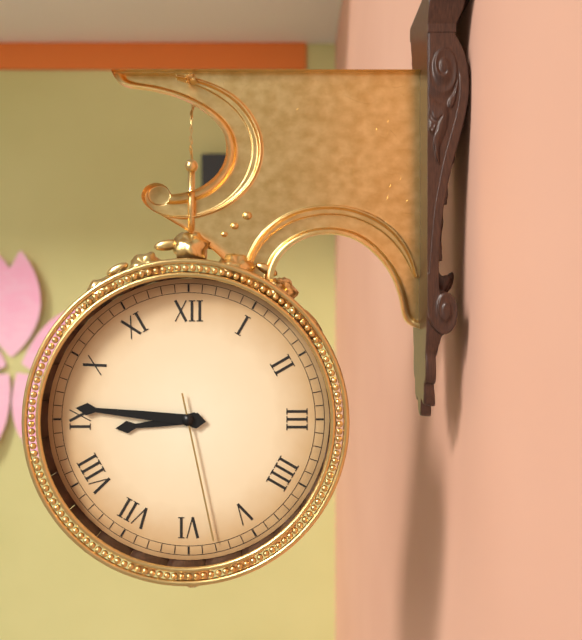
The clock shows 8 h 46 min 28 s
